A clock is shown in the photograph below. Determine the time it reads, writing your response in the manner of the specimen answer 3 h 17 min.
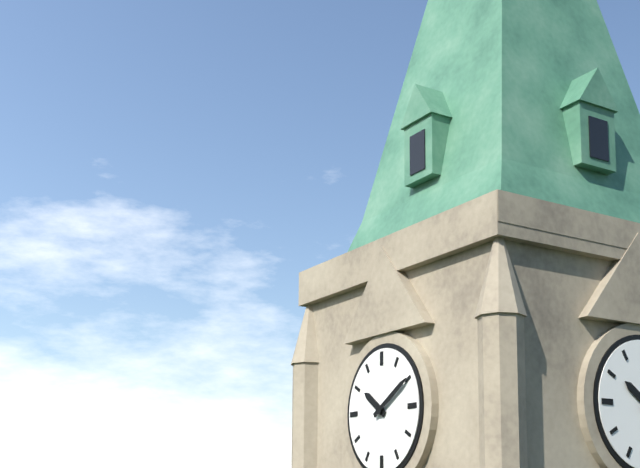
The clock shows 10 h 10 min
